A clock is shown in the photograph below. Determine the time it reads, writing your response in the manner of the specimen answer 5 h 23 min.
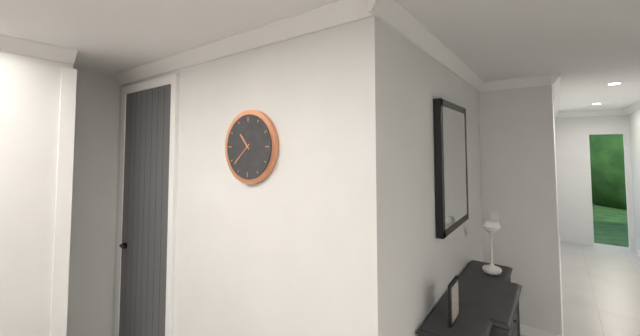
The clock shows 10 h 38 min
